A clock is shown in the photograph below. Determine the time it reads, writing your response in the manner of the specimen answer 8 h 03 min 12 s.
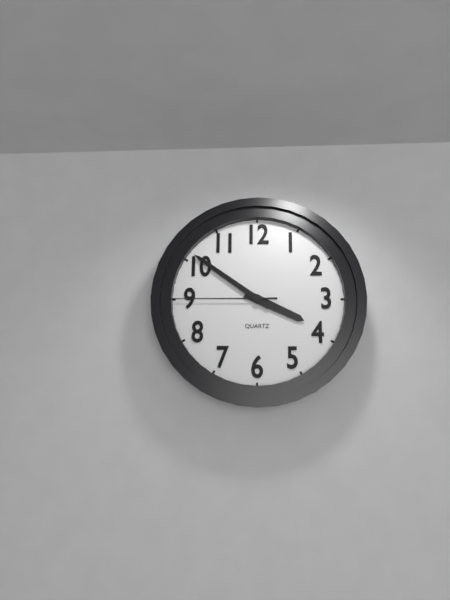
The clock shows 3 h 51 min 45 s
